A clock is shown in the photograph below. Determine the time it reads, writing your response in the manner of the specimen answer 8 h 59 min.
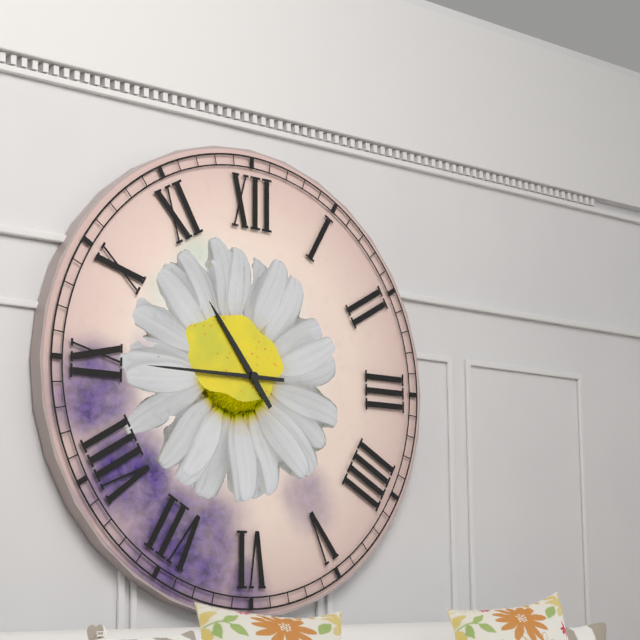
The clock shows 10 h 45 min
